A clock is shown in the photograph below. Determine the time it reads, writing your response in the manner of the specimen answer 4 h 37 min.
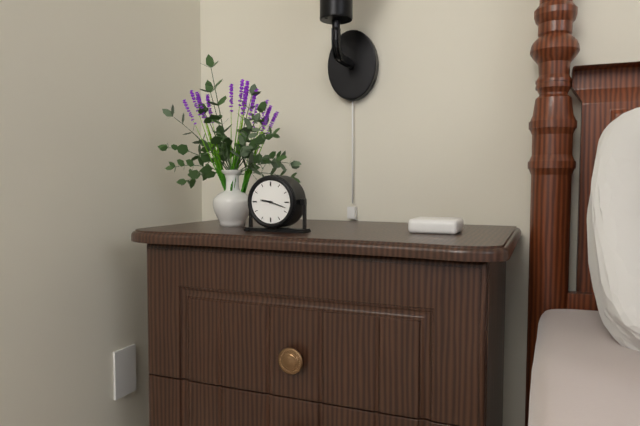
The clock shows 9 h 18 min
